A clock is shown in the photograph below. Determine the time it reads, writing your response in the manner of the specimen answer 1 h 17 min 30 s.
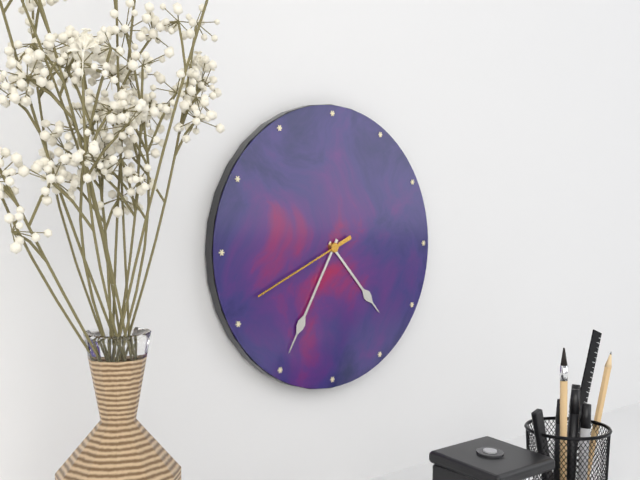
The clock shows 4 h 35 min 41 s
